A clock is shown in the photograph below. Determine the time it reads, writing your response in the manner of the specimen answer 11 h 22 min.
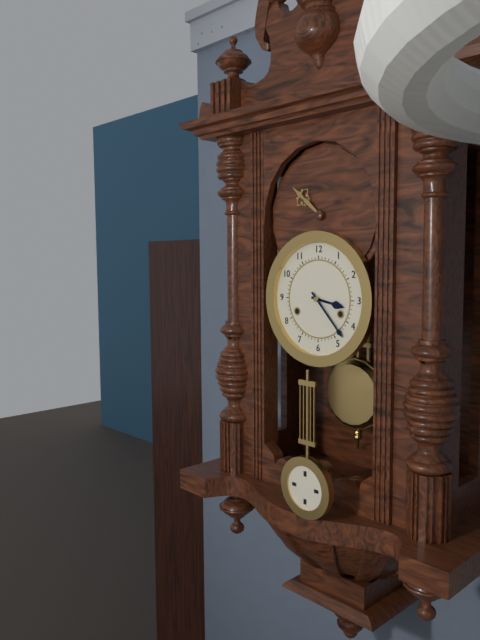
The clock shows 3 h 23 min
